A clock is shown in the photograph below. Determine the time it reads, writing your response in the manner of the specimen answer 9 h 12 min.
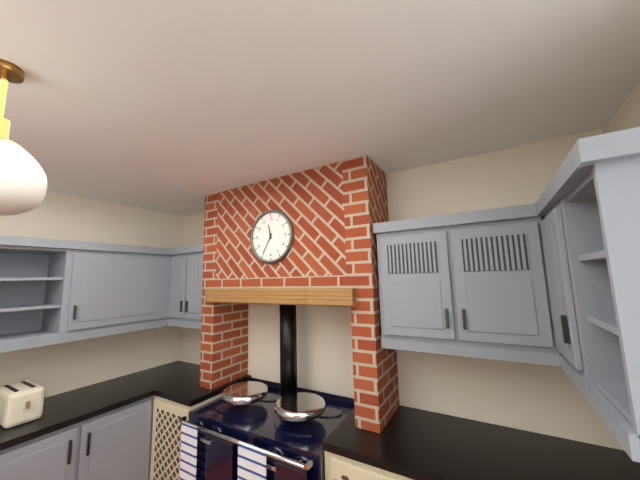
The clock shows 11 h 35 min
